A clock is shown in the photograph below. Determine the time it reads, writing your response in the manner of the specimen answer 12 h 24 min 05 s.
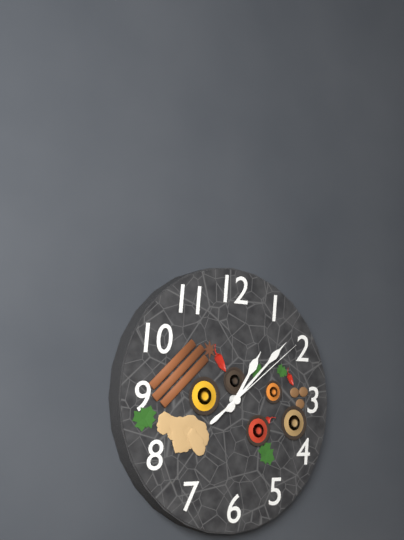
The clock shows 1 h 08 min 09 s
